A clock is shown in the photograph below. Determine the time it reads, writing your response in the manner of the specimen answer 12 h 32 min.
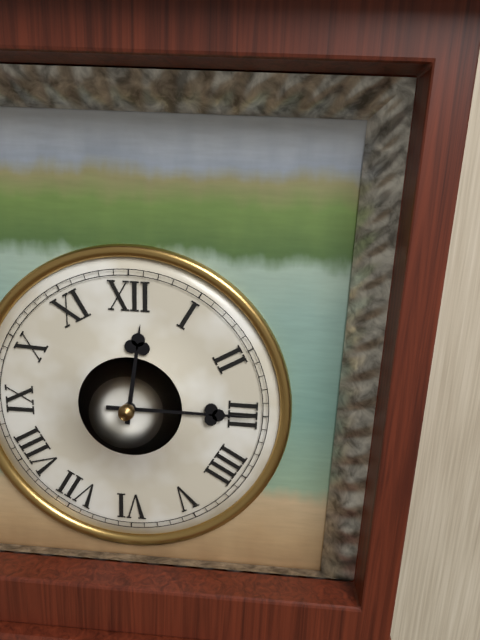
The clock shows 12 h 15 min
